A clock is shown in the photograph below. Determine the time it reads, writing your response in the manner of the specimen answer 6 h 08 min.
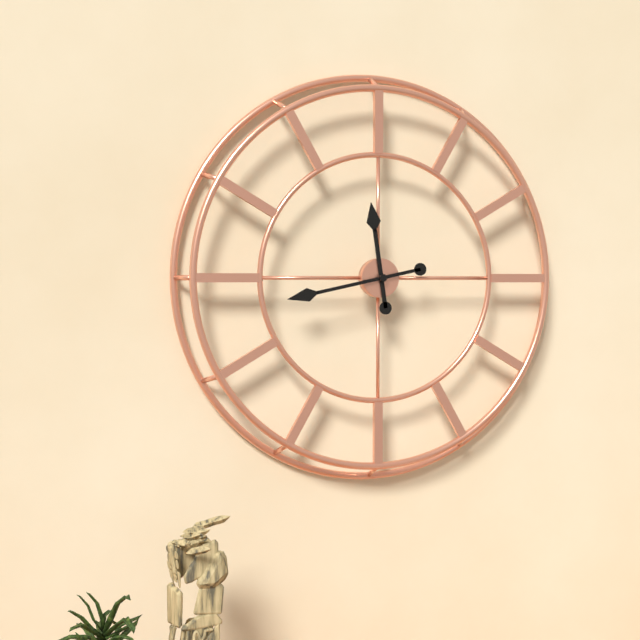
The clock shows 11 h 43 min
